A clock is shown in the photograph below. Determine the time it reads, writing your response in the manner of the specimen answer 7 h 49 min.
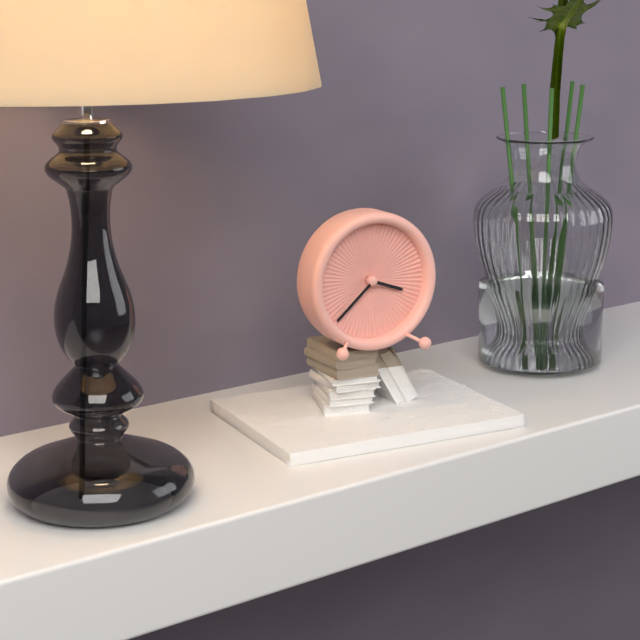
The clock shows 3 h 38 min
